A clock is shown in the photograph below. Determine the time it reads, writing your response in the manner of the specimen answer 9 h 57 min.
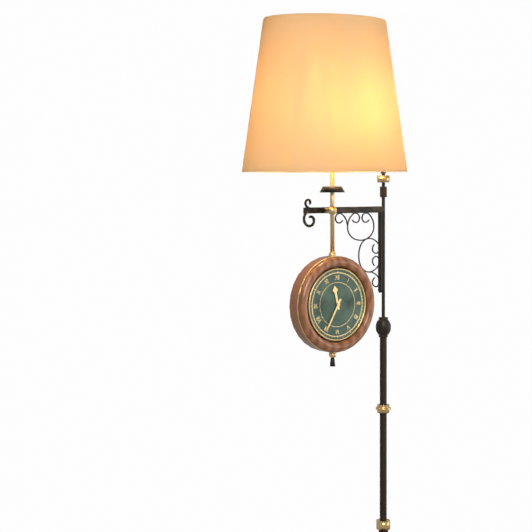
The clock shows 11 h 35 min
